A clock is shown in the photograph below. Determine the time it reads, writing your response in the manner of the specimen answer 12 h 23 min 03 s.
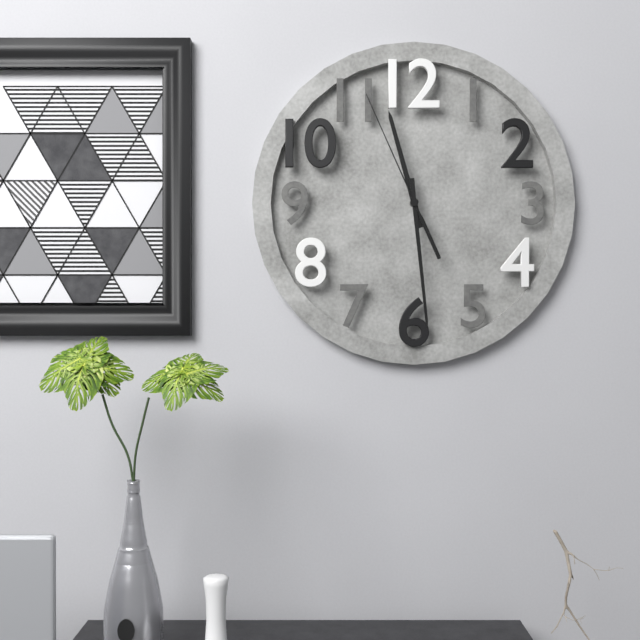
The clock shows 11 h 29 min 56 s
